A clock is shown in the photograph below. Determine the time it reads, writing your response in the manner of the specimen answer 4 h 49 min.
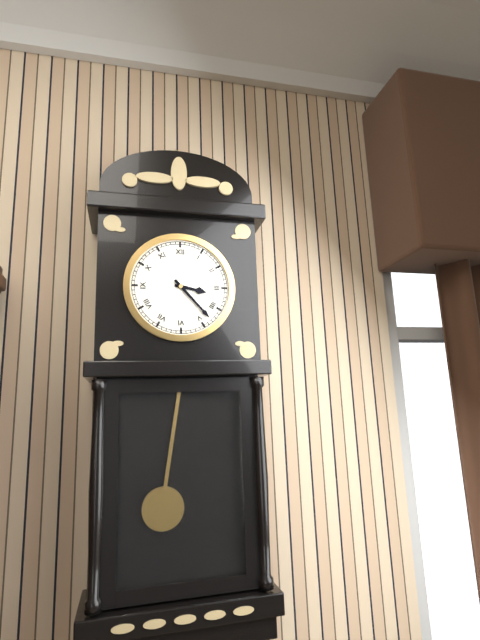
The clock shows 3 h 23 min
